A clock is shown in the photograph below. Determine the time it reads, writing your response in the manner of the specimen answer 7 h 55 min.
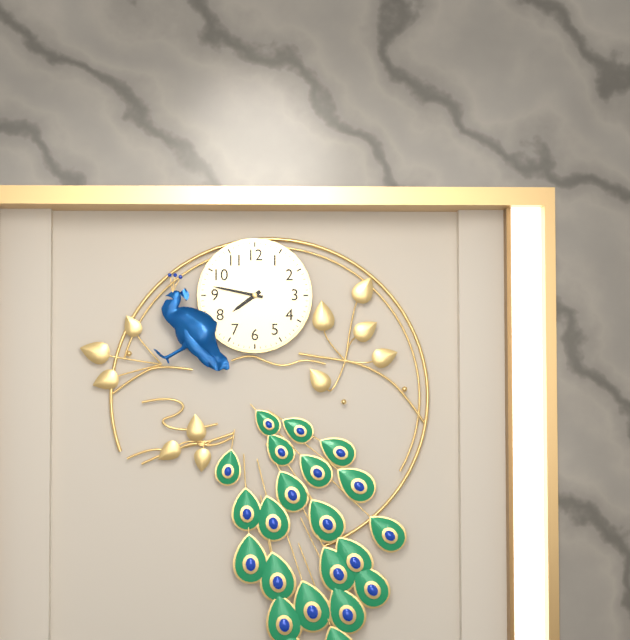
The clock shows 7 h 47 min
